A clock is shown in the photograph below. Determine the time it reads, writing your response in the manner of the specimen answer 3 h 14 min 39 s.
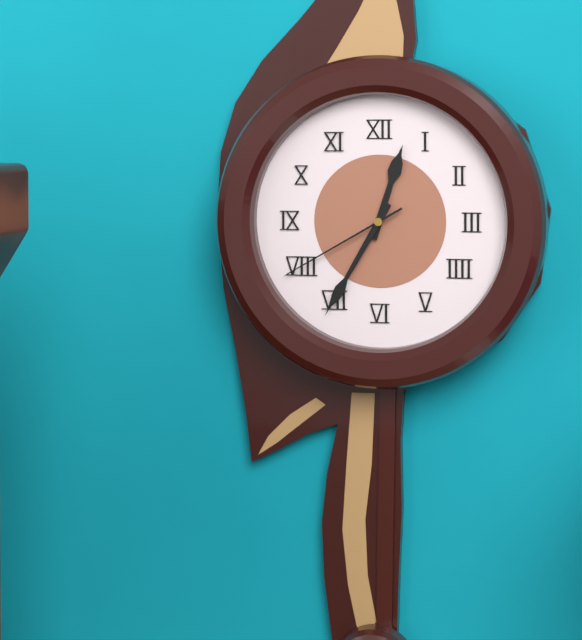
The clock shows 12 h 35 min 40 s
